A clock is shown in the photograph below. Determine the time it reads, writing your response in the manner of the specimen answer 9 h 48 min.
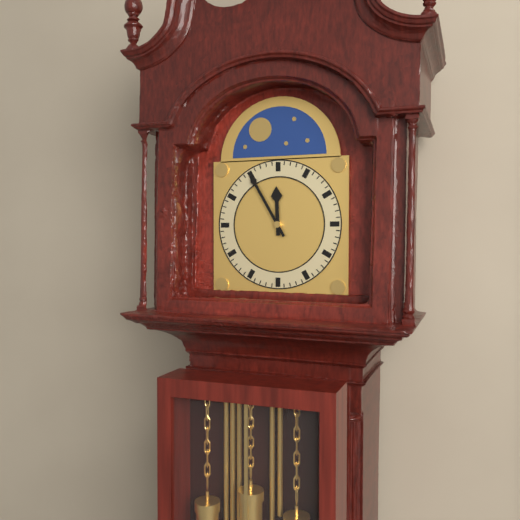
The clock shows 11 h 55 min
